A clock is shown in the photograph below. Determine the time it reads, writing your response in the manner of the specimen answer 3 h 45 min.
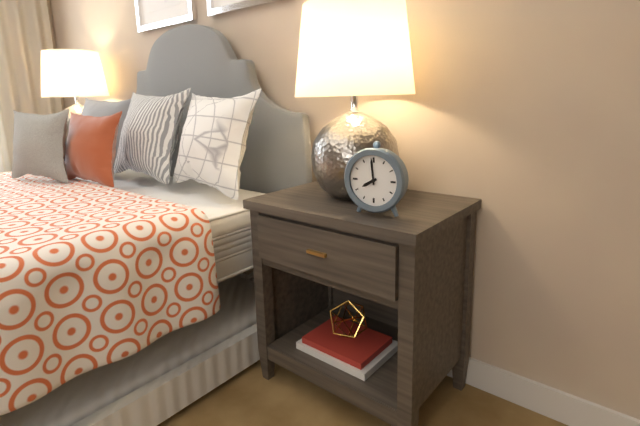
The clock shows 7 h 59 min
